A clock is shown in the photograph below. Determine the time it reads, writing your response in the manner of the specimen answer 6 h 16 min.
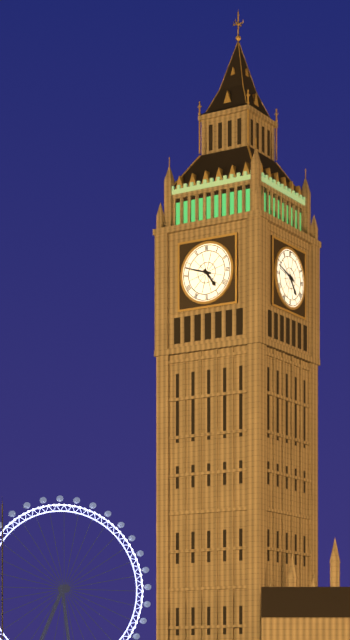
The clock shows 4 h 48 min
